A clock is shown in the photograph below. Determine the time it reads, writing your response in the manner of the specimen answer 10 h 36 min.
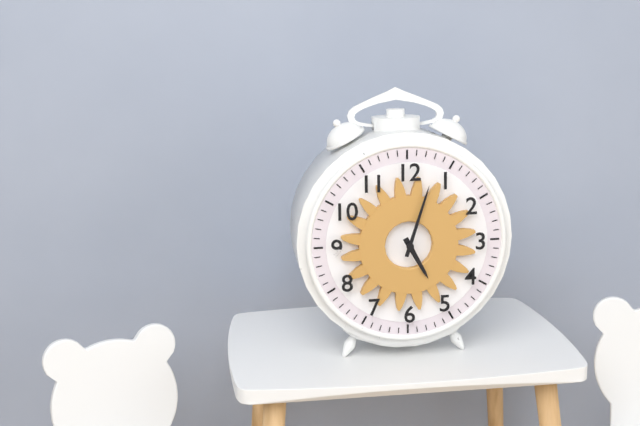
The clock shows 5 h 03 min
